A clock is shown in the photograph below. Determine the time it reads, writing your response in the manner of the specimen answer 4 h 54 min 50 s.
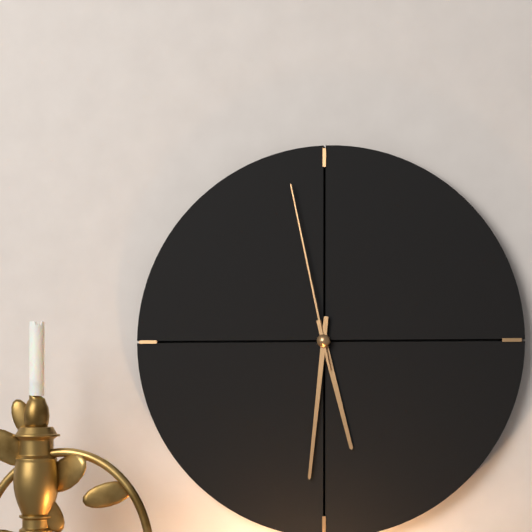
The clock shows 5 h 31 min 58 s
